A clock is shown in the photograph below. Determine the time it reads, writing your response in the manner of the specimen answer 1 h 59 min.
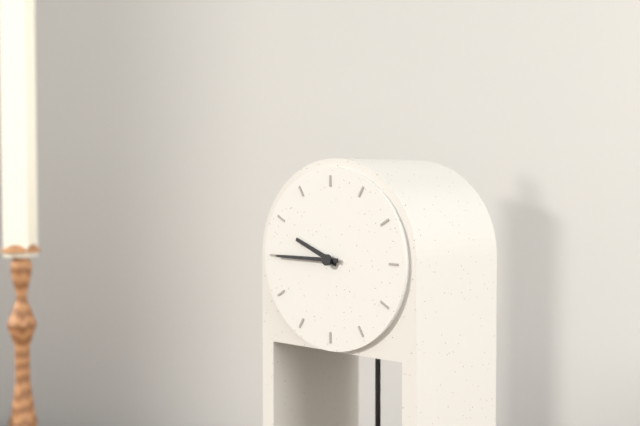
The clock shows 9 h 45 min
